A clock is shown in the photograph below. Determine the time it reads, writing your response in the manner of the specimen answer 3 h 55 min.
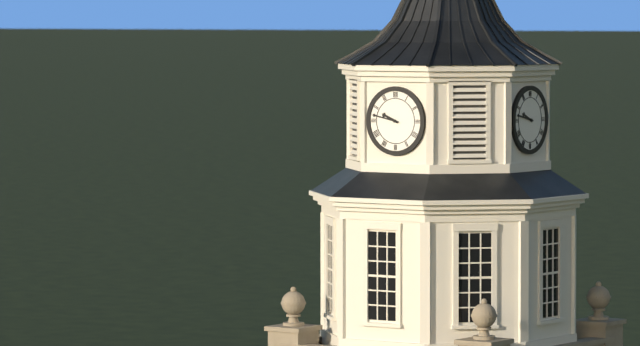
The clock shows 9 h 47 min
